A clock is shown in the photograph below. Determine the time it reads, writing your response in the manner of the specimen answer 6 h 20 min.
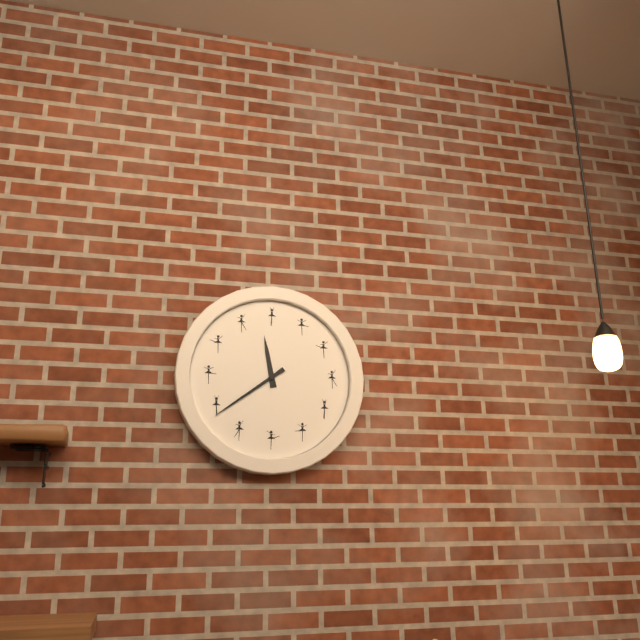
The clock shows 11 h 39 min
